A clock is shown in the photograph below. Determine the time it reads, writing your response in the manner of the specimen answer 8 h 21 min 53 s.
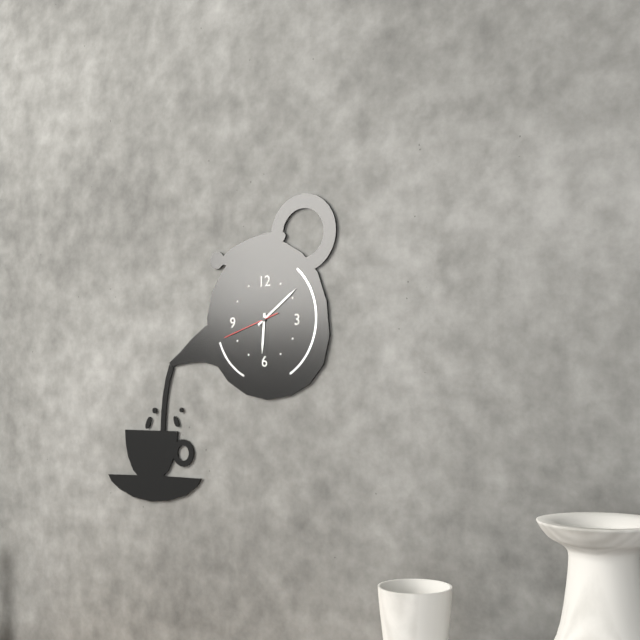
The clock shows 6 h 09 min 42 s
